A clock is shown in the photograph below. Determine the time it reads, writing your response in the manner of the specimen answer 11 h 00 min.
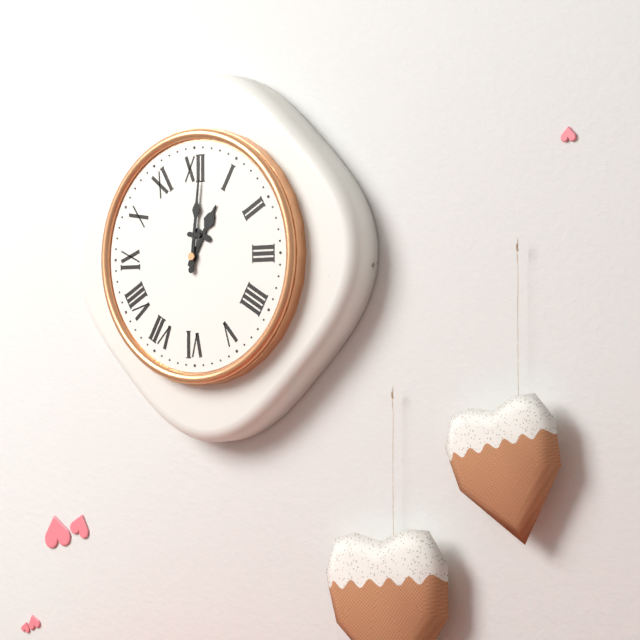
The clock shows 1 h 01 min
